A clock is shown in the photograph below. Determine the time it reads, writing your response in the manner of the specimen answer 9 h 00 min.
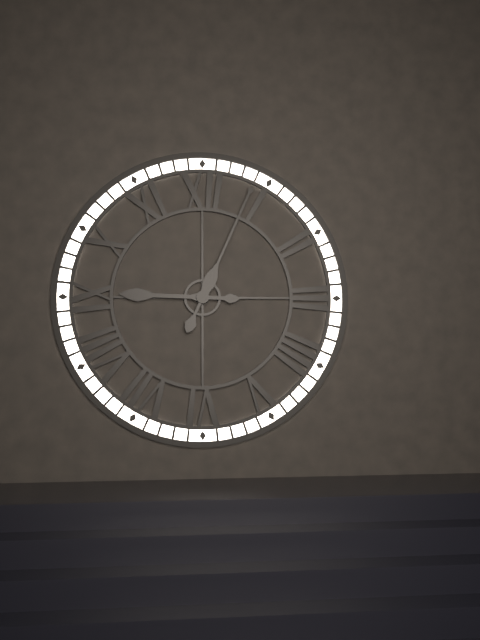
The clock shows 9 h 04 min
